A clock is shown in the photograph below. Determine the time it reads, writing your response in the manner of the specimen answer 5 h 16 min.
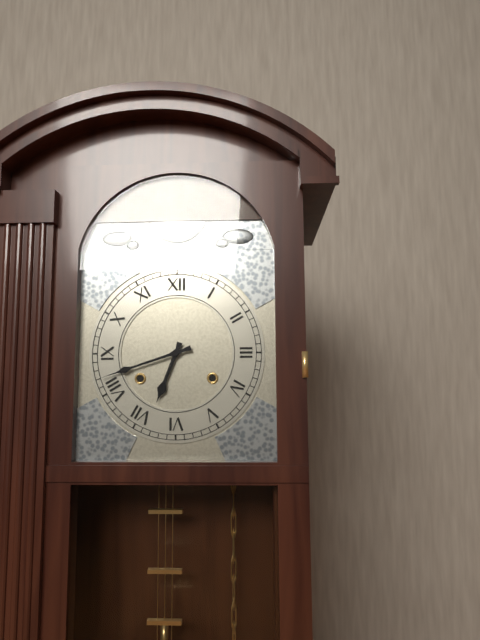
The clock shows 6 h 42 min
